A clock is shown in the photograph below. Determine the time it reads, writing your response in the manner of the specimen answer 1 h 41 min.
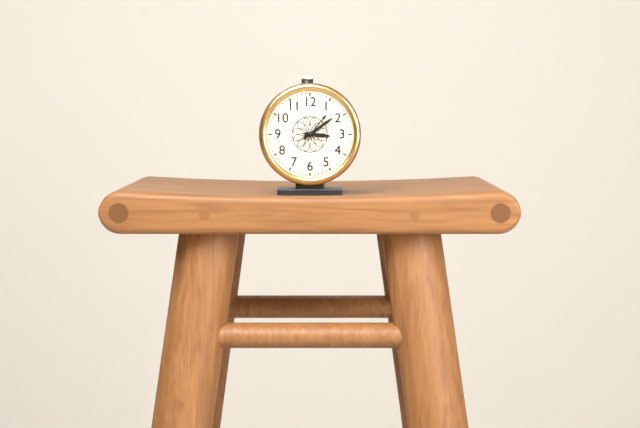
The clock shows 3 h 09 min
